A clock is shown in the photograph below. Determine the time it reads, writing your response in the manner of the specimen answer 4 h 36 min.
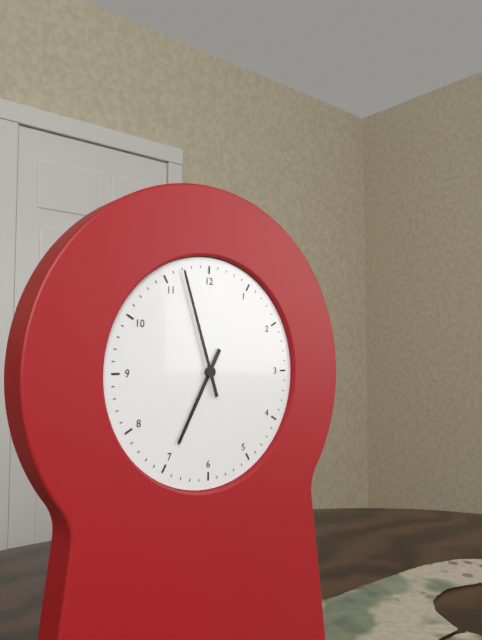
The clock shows 6 h 57 min
